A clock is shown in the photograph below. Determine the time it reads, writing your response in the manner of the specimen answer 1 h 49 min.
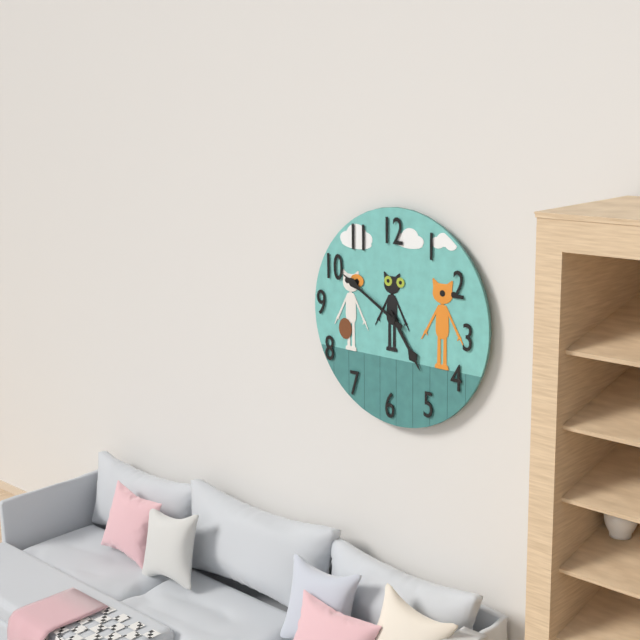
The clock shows 4 h 50 min
